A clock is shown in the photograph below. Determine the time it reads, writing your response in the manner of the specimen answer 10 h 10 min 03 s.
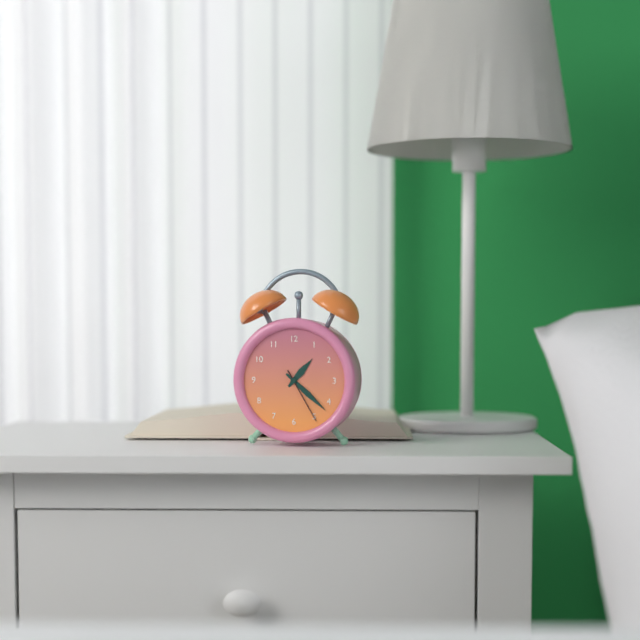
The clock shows 1 h 22 min 25 s
